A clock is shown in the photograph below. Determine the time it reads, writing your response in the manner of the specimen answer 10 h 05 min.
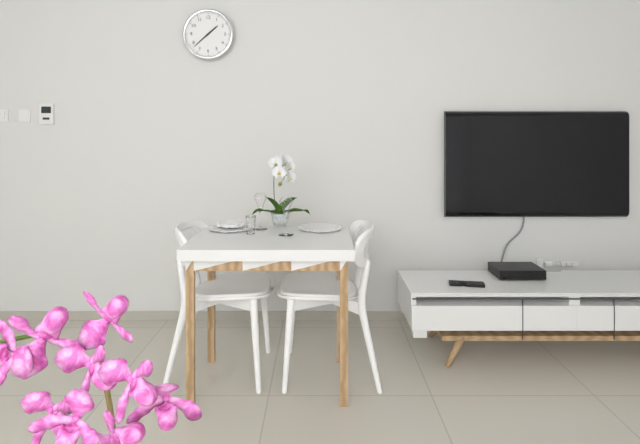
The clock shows 1 h 38 min
